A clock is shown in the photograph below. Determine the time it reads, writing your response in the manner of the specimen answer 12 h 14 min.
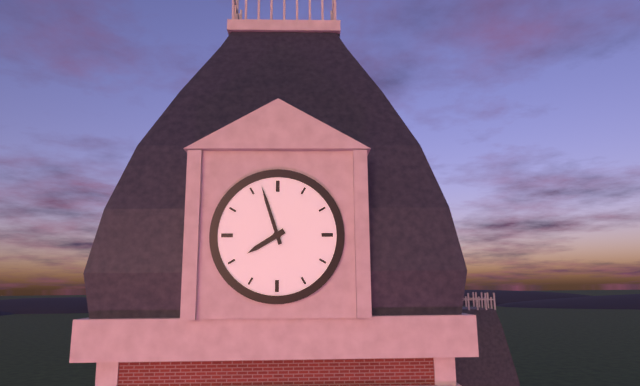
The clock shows 7 h 57 min
